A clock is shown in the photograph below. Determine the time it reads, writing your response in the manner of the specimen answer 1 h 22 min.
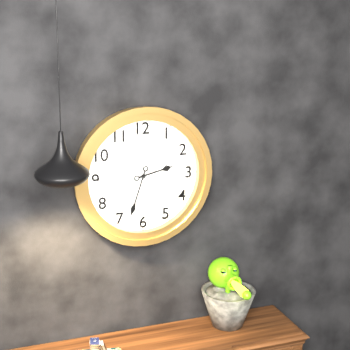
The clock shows 2 h 33 min
